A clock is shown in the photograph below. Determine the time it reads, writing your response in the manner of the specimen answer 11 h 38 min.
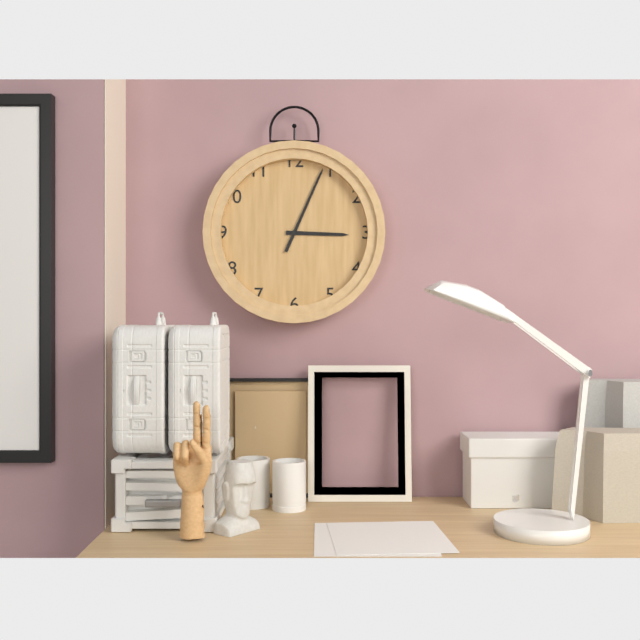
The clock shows 3 h 04 min
